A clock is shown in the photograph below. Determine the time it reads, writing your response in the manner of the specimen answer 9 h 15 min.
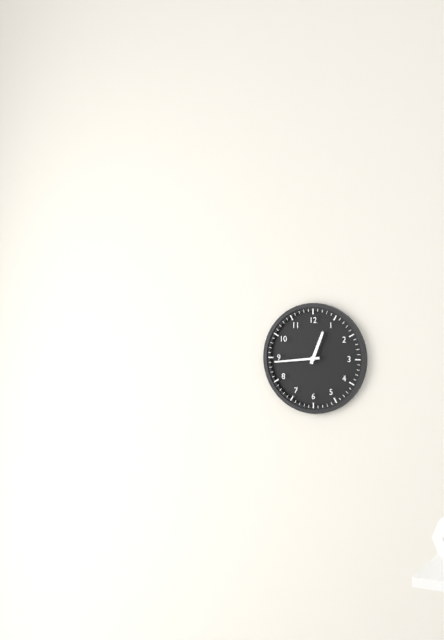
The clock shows 12 h 44 min
